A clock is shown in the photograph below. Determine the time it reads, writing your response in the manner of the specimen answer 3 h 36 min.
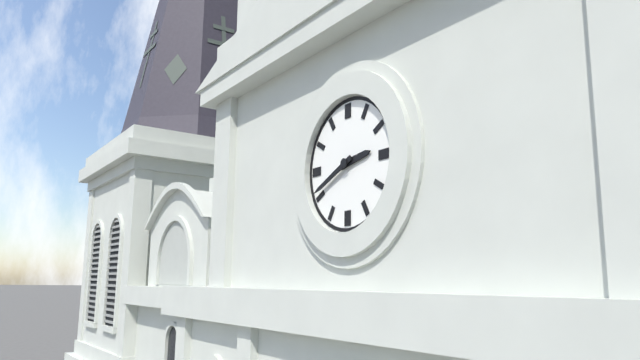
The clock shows 2 h 41 min
